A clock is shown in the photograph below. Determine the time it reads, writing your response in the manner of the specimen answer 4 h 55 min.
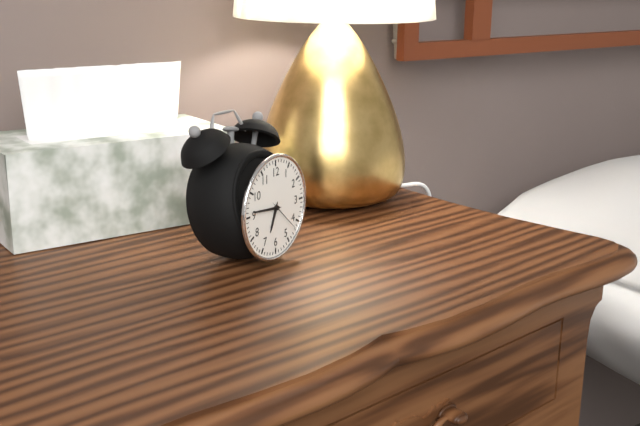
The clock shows 6 h 46 min
